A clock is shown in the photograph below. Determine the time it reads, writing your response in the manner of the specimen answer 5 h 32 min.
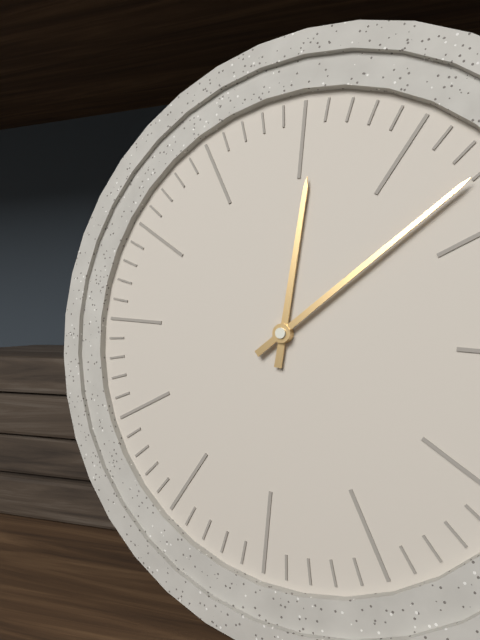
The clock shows 12 h 08 min
